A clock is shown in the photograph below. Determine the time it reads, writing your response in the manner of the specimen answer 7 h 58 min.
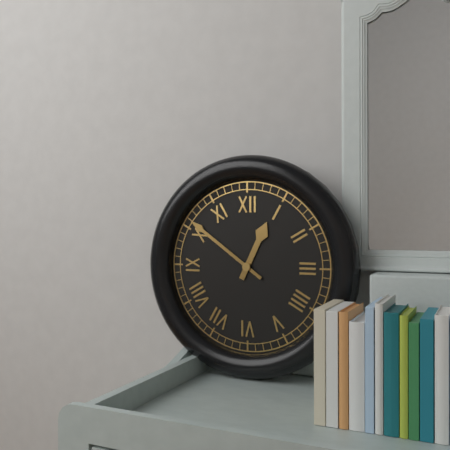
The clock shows 12 h 51 min
